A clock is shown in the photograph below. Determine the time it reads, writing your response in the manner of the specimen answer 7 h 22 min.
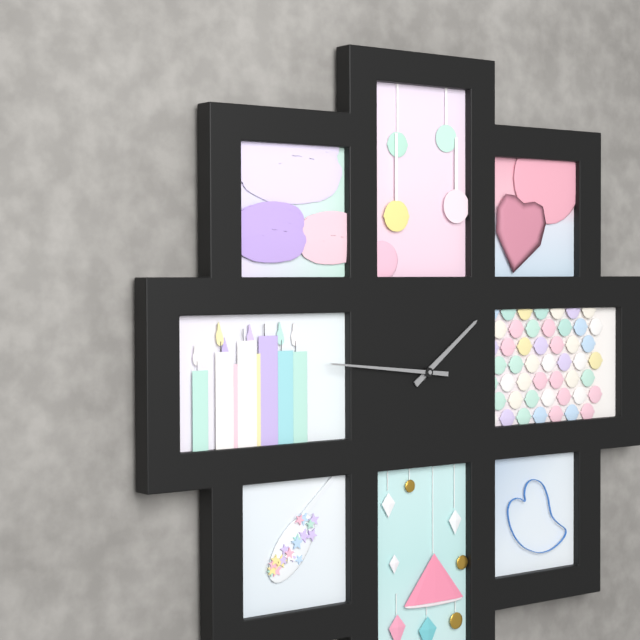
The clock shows 1 h 46 min
